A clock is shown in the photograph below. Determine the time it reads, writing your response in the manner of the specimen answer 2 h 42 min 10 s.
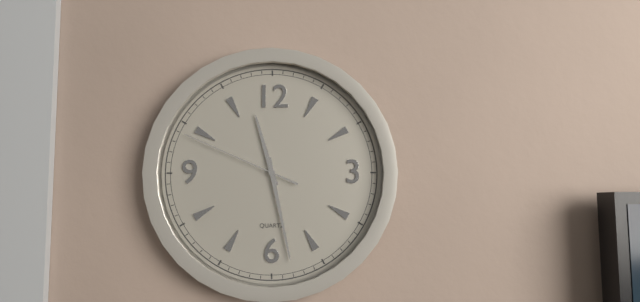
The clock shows 11 h 28 min 49 s
